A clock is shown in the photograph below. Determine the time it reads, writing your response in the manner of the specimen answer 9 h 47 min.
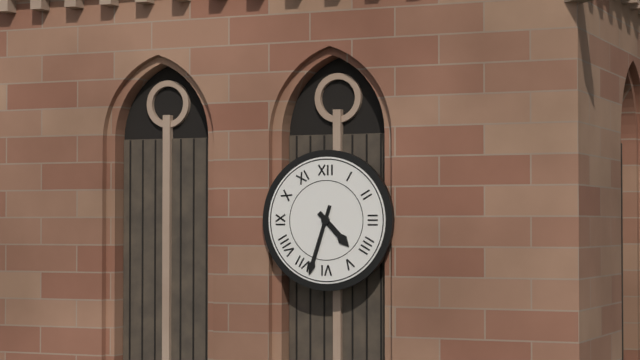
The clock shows 4 h 33 min
